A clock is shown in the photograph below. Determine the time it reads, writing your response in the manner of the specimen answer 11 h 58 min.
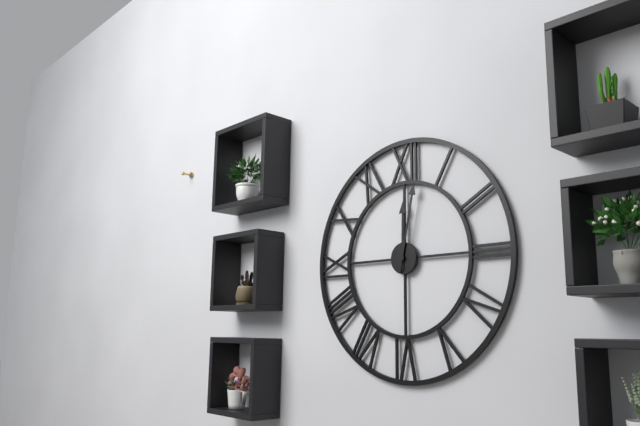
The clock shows 12 h 02 min
